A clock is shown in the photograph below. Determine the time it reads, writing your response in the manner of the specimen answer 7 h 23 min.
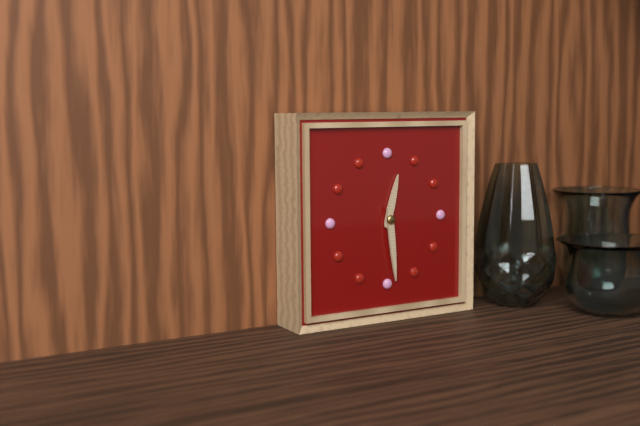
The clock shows 12 h 29 min
